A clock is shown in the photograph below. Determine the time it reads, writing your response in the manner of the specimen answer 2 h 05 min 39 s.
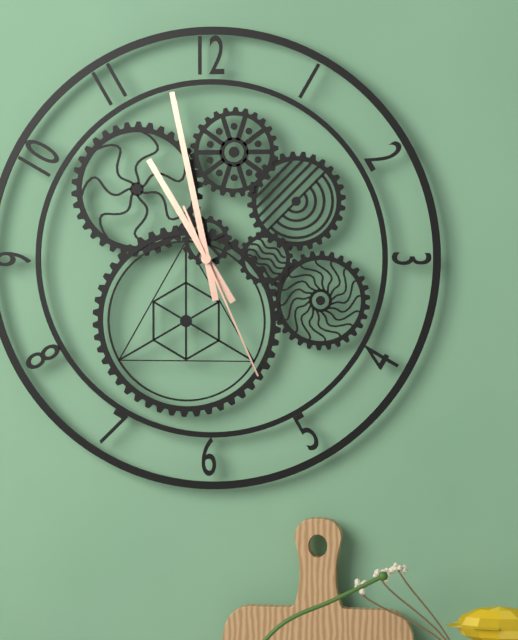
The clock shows 10 h 58 min 26 s
